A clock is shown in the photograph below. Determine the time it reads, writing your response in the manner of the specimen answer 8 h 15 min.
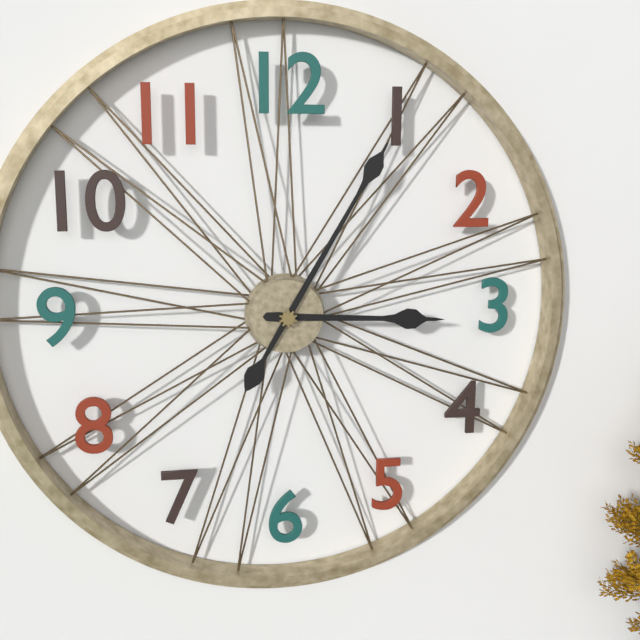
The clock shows 3 h 05 min
